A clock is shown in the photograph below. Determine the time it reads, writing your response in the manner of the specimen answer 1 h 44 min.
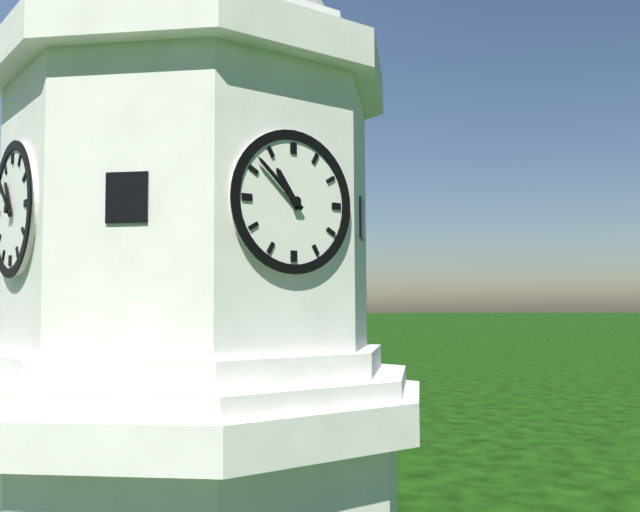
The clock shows 10 h 52 min
